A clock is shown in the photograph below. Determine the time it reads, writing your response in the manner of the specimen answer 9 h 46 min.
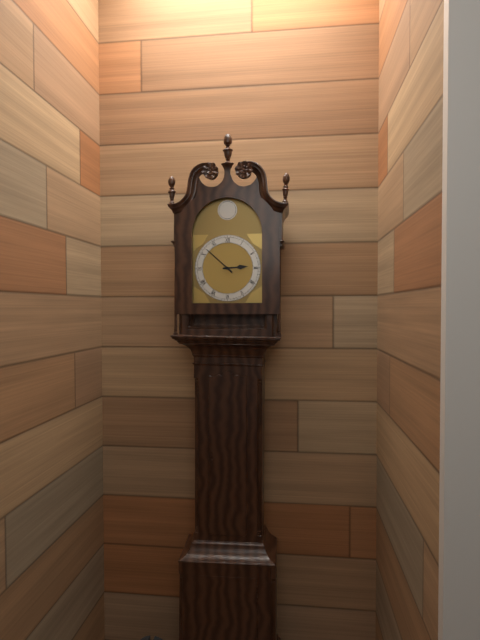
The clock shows 2 h 52 min
